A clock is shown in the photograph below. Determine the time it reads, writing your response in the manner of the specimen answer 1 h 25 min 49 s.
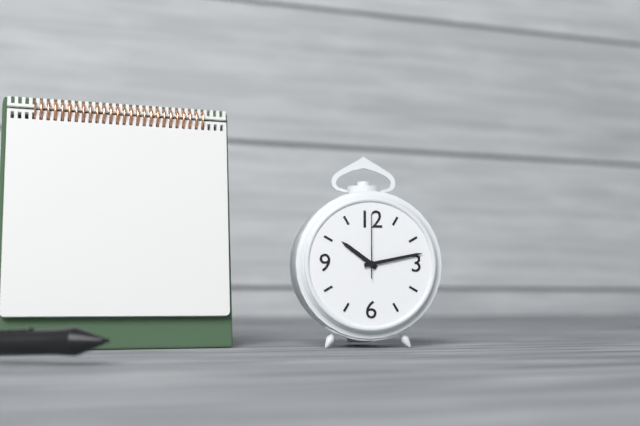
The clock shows 10 h 13 min 00 s
